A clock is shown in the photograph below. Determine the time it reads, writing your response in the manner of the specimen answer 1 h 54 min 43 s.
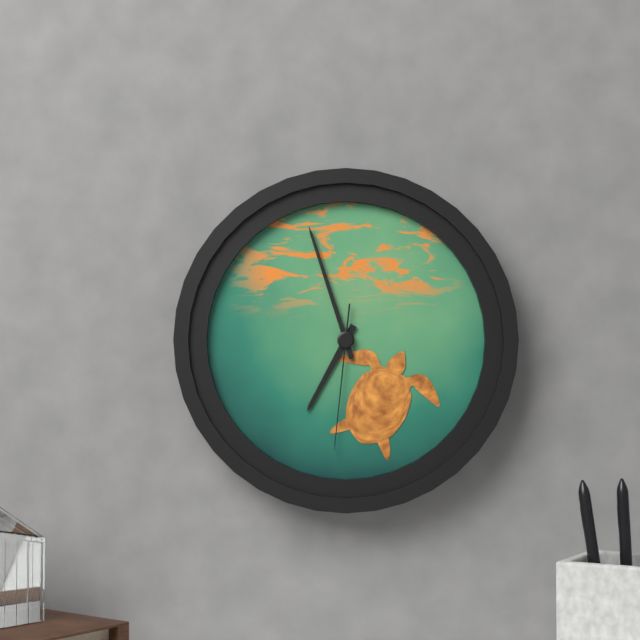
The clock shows 6 h 57 min 31 s
